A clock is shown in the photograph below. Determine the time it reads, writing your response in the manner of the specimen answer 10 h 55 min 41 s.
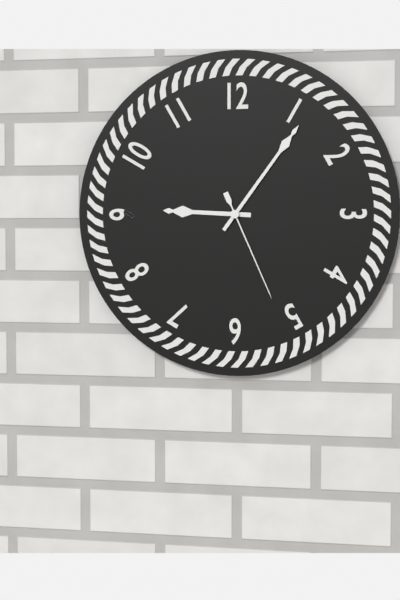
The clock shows 9 h 06 min 26 s
